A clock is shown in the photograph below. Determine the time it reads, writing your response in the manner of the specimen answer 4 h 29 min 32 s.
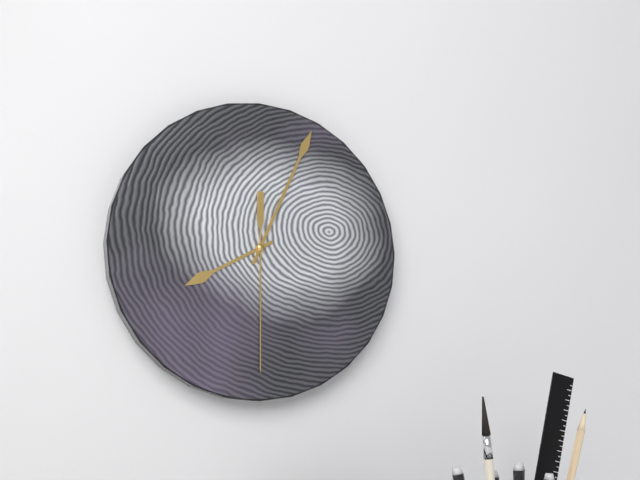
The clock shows 8 h 04 min 30 s
